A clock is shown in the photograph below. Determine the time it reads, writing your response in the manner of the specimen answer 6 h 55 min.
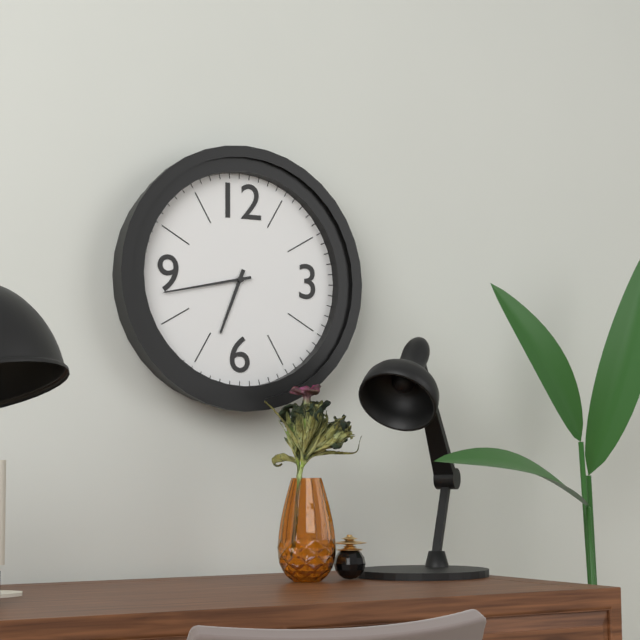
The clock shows 6 h 43 min
